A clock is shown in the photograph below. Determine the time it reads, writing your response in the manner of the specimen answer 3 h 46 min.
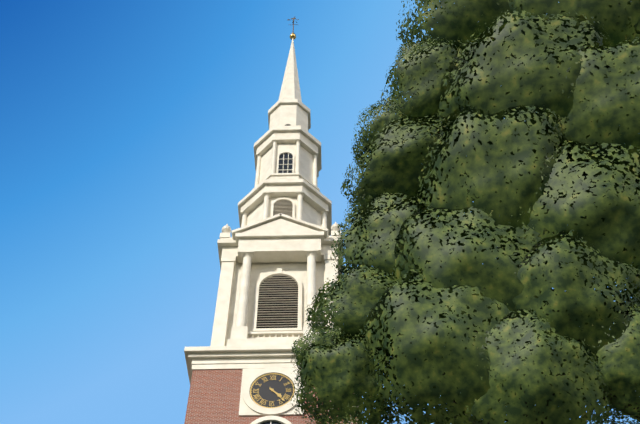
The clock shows 4 h 23 min
